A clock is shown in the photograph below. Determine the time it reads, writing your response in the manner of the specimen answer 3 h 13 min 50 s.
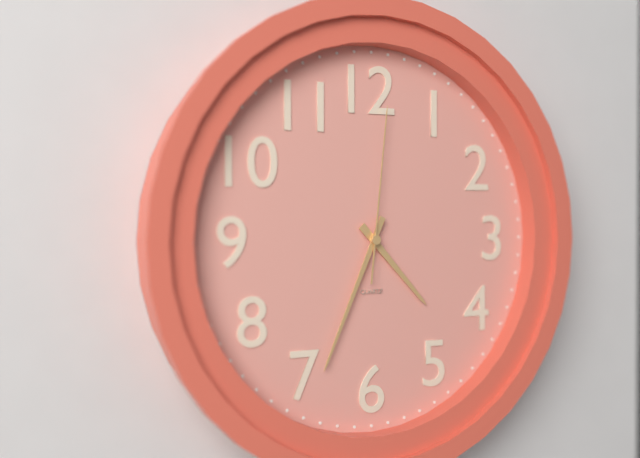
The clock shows 4 h 34 min 01 s
